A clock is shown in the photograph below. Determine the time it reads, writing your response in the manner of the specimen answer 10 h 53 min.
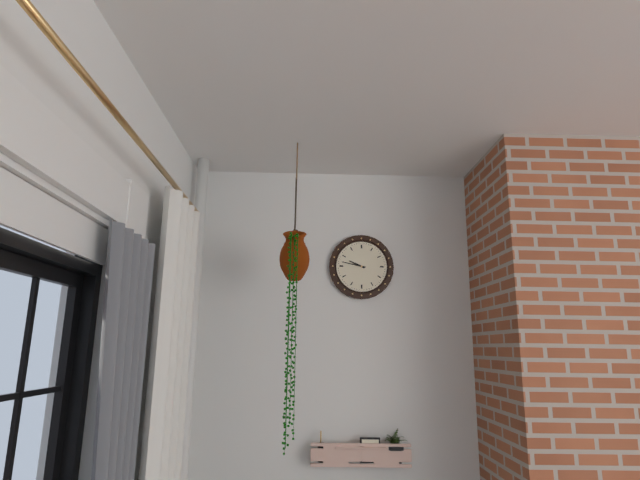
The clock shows 9 h 47 min
